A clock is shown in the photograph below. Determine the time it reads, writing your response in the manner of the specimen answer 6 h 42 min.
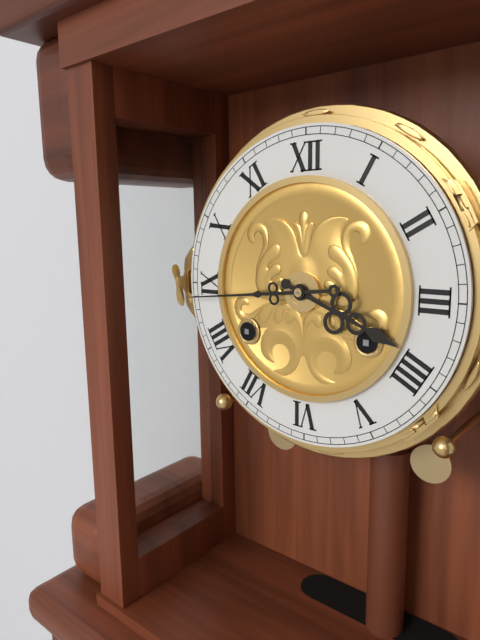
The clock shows 3 h 44 min
